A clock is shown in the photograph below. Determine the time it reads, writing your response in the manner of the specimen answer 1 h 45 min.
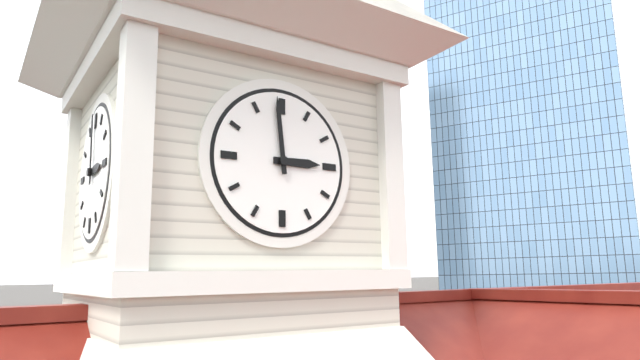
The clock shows 2 h 59 min
